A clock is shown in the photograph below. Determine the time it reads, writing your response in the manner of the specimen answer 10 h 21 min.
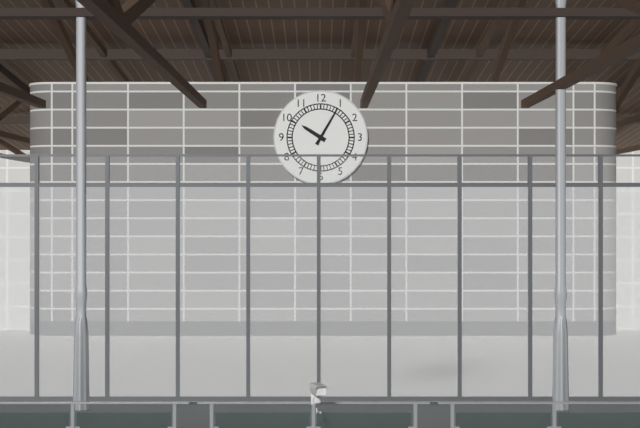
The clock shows 10 h 05 min
